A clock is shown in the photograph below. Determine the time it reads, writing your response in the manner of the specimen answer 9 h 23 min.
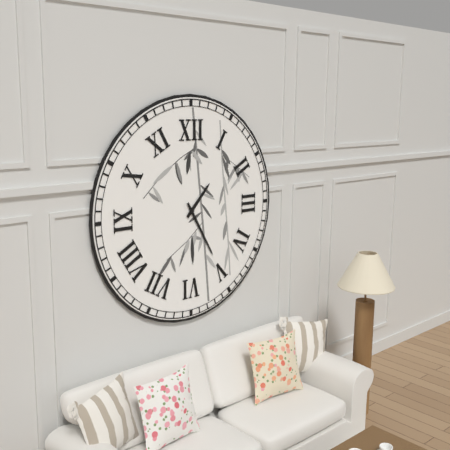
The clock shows 1 h 25 min
